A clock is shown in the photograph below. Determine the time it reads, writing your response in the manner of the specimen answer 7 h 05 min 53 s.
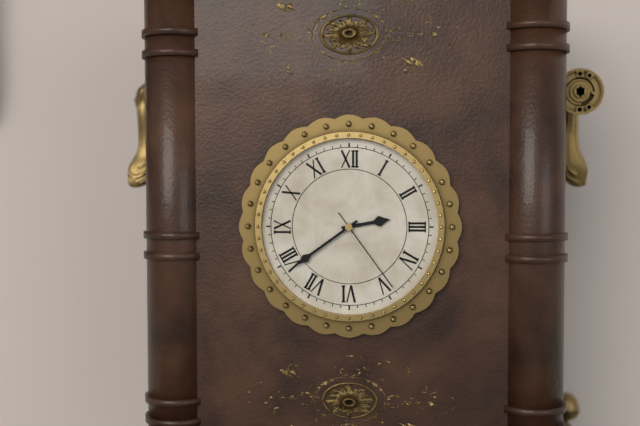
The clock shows 2 h 39 min 24 s
